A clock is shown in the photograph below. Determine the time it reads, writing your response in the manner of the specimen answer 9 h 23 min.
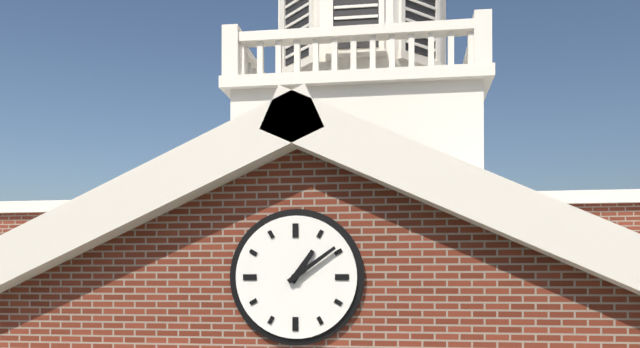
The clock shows 1 h 09 min
